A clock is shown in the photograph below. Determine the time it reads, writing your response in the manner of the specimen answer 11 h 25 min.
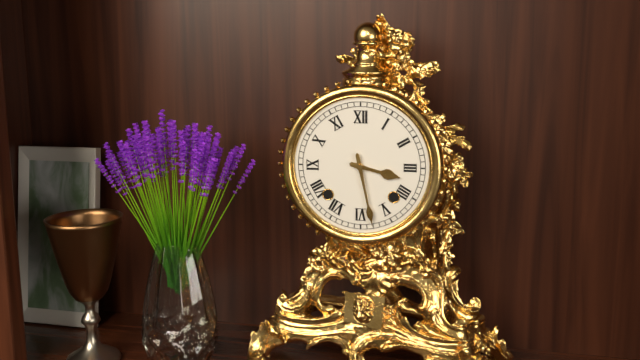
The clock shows 3 h 28 min
